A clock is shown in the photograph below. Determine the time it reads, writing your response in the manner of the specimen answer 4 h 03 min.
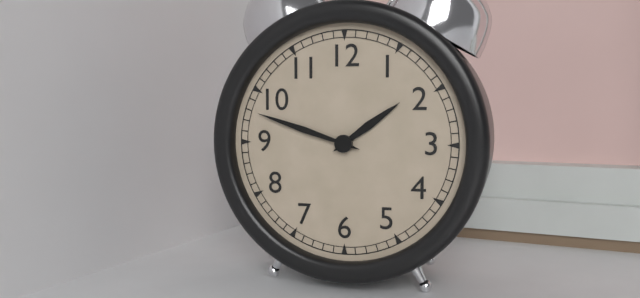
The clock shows 1 h 48 min
